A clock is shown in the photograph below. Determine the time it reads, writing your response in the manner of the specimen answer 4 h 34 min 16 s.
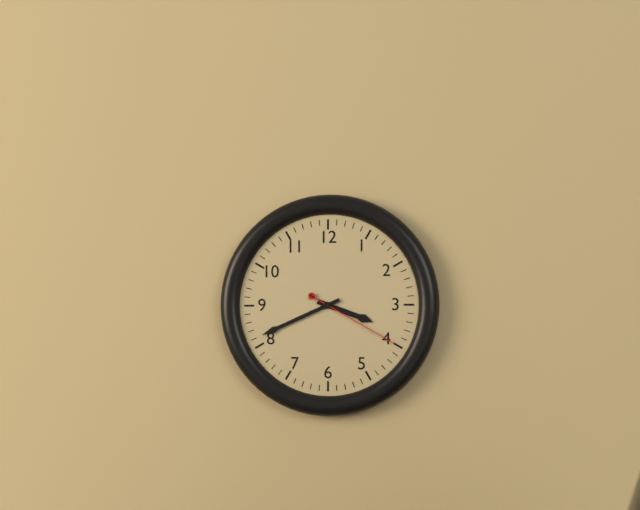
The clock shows 3 h 41 min 20 s
